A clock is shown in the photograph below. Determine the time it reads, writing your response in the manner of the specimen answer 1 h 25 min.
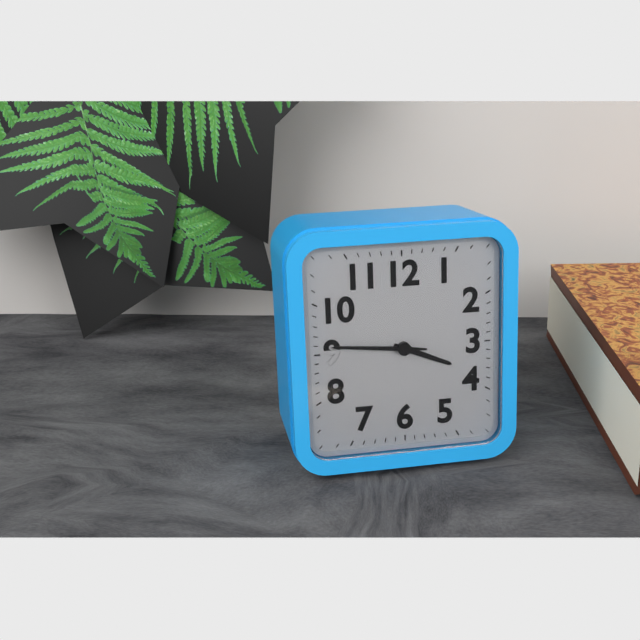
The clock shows 3 h 46 min
